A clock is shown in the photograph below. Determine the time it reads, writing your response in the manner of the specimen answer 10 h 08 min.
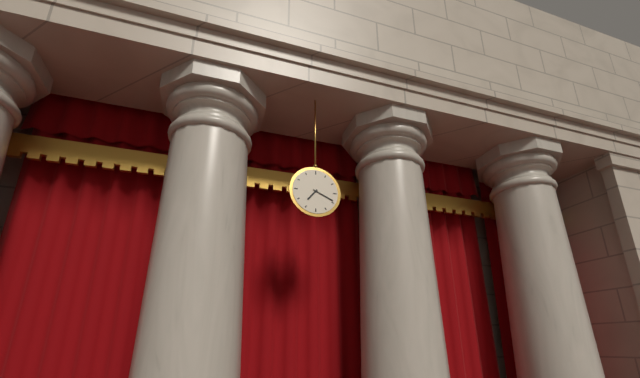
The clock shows 7 h 19 min
